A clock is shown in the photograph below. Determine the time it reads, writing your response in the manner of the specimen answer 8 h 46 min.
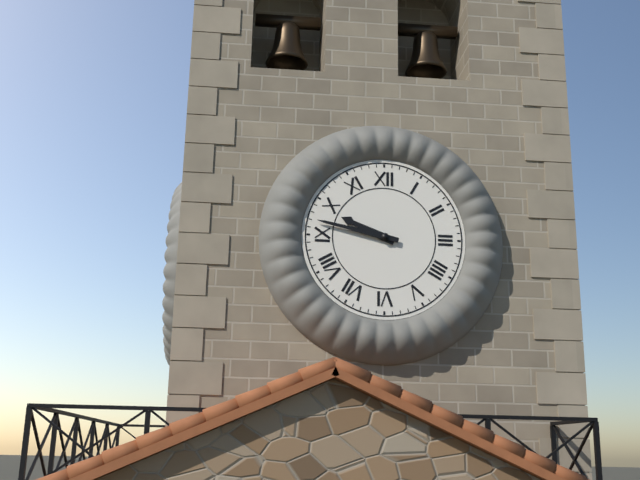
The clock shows 9 h 47 min
